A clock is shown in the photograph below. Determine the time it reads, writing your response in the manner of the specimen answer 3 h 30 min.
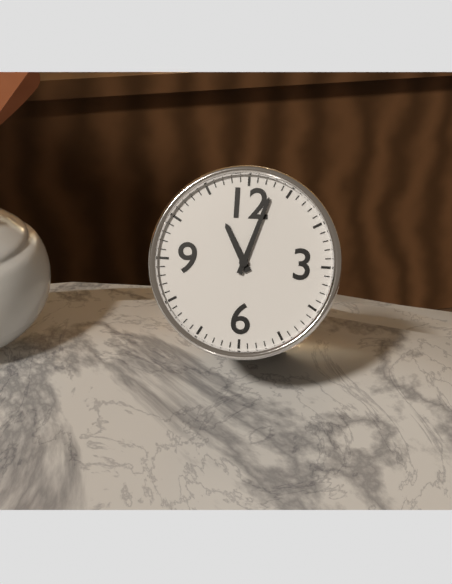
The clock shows 11 h 03 min
